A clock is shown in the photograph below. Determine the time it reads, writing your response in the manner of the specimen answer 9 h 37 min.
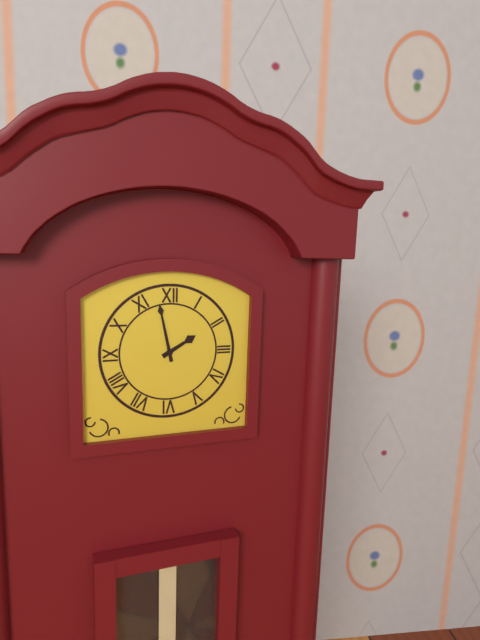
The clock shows 1 h 58 min
